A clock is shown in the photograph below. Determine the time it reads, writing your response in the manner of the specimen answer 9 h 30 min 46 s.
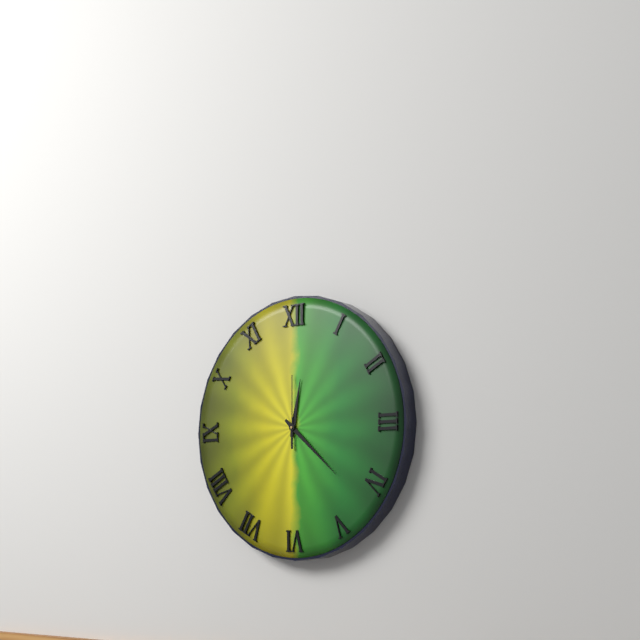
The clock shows 12 h 22 min 00 s
